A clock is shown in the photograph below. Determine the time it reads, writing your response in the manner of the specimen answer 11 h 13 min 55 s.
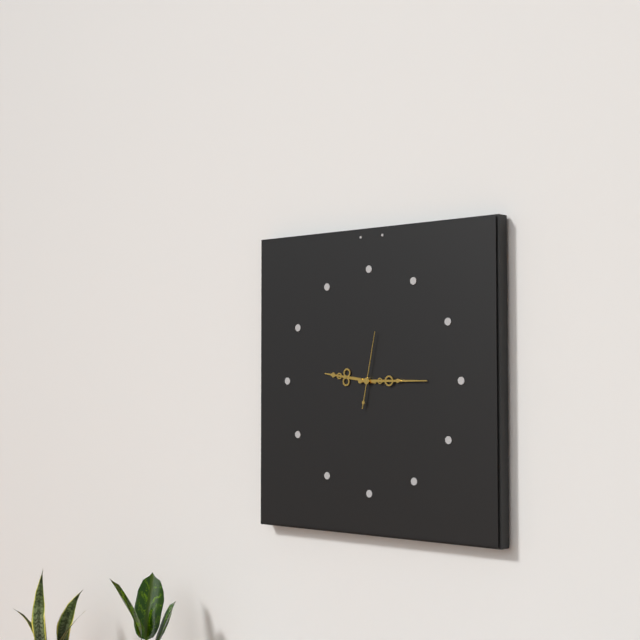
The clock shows 9 h 15 min 02 s
